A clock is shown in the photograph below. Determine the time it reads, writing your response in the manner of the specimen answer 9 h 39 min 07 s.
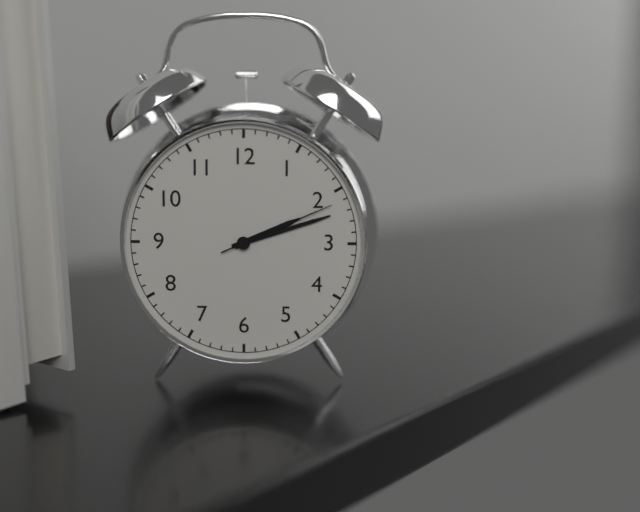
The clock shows 2 h 12 min 11 s
